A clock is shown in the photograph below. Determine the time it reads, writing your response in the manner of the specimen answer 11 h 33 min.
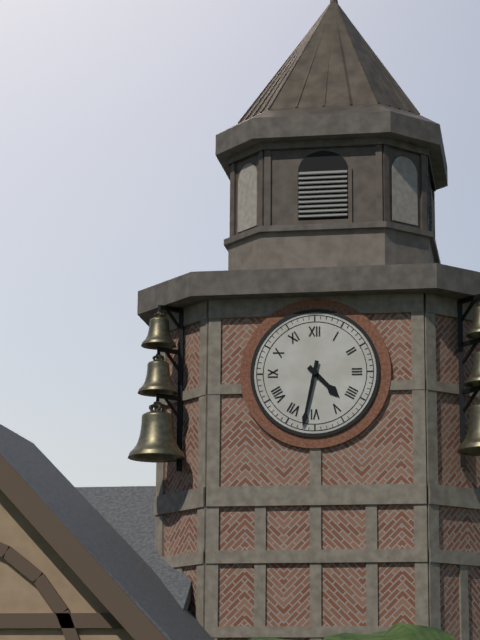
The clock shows 4 h 32 min
